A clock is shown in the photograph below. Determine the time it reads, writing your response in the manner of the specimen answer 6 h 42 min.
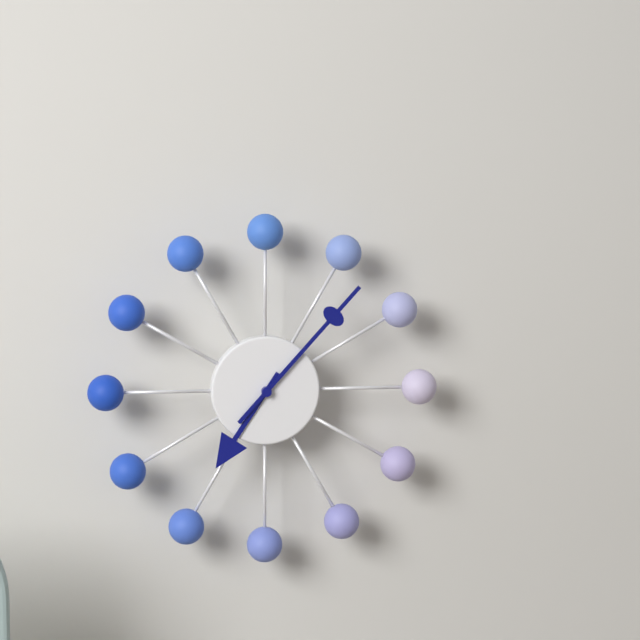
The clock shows 7 h 07 min
